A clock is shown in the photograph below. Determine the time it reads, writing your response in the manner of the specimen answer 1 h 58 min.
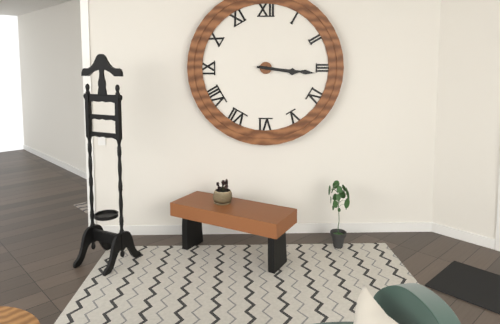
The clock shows 3 h 16 min
